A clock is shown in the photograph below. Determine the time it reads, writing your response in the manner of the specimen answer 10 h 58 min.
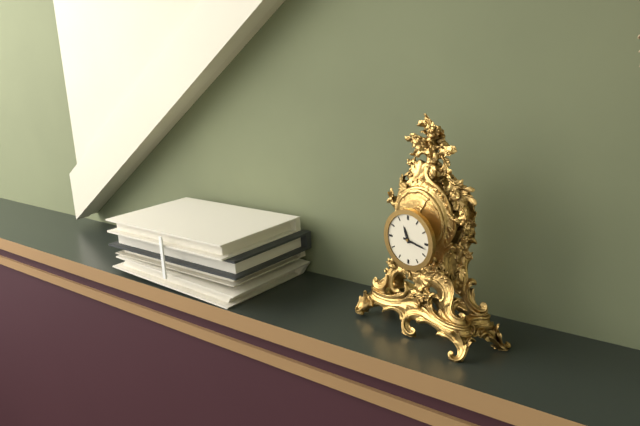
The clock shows 11 h 17 min
